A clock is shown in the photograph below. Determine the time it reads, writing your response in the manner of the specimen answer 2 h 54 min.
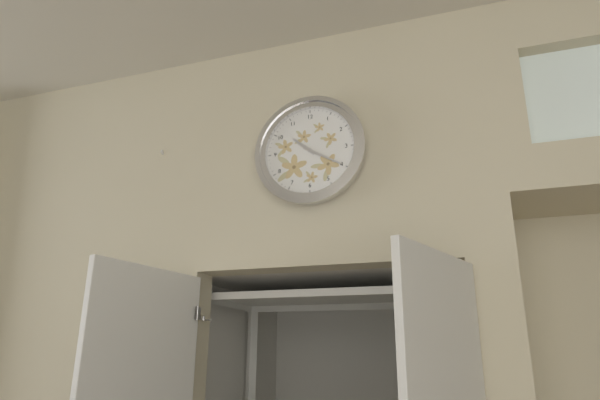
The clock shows 10 h 20 min
